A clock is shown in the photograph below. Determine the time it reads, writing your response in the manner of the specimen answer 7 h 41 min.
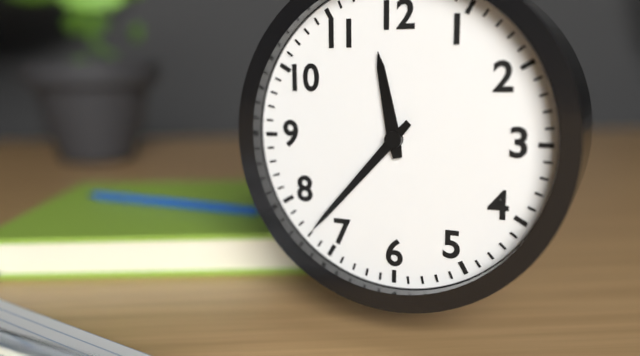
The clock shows 11 h 37 min
